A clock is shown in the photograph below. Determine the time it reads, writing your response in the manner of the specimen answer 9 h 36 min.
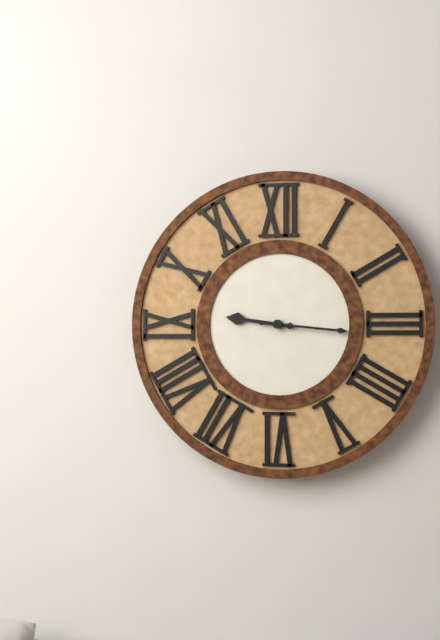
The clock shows 9 h 16 min
